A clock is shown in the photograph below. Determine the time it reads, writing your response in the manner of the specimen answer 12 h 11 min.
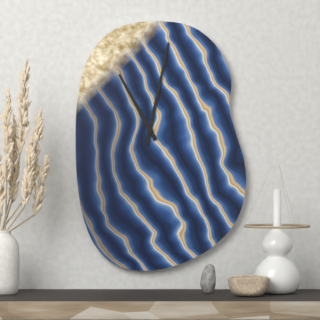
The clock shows 11 h 02 min
